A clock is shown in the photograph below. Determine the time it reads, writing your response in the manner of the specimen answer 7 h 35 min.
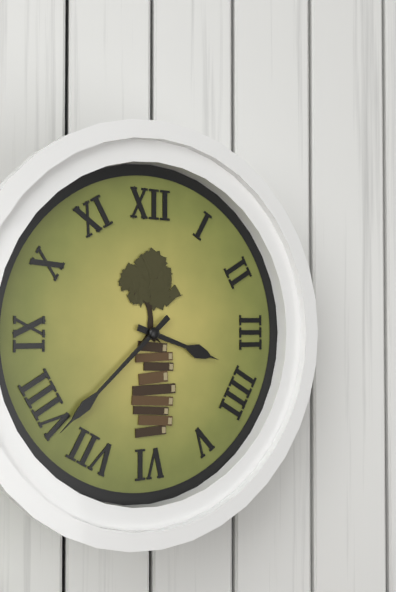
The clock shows 3 h 38 min
